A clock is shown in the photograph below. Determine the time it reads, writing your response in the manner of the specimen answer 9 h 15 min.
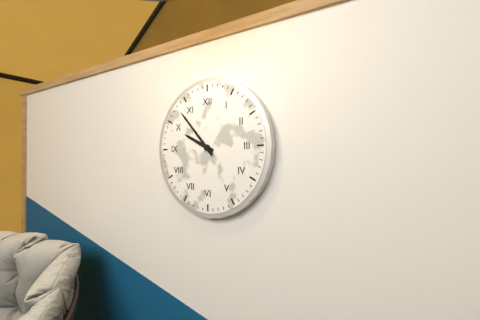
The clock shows 9 h 53 min
